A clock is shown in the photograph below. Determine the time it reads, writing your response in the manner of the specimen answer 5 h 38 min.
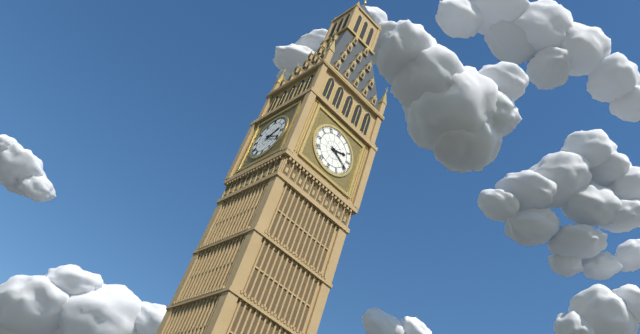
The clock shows 2 h 19 min
